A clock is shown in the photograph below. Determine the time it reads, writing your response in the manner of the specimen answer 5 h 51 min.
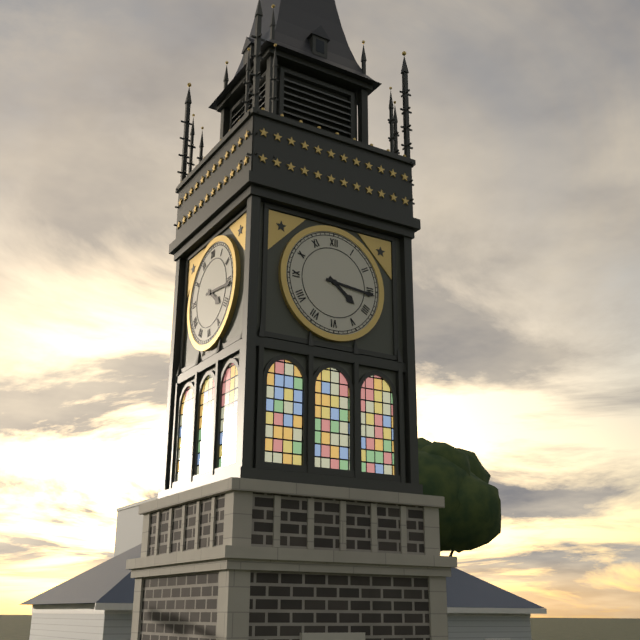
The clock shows 4 h 16 min
